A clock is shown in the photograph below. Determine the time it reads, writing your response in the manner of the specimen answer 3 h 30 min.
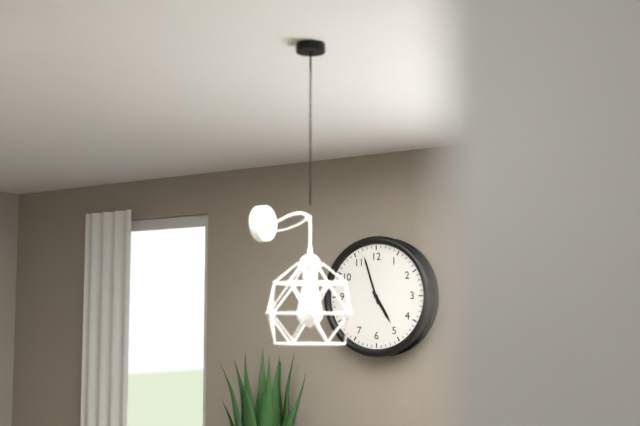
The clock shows 4 h 57 min
